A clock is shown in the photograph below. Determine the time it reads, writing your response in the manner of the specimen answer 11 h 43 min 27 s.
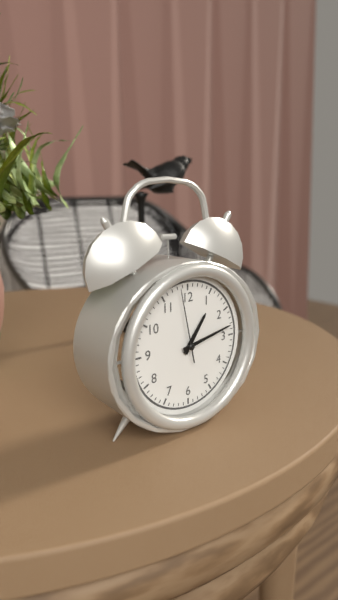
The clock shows 1 h 13 min 58 s
